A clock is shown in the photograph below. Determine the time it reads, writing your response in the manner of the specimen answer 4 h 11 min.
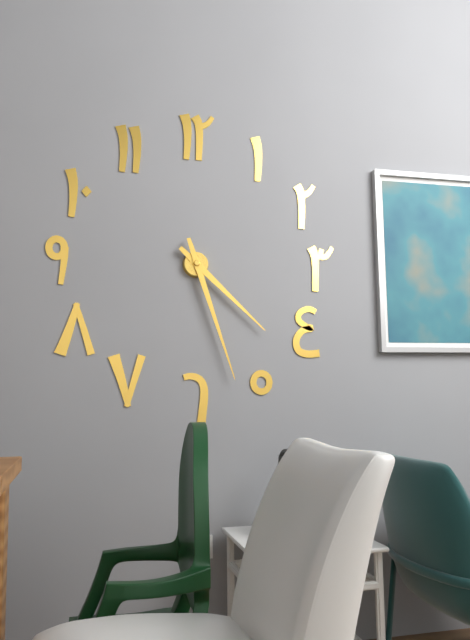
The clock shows 4 h 27 min
